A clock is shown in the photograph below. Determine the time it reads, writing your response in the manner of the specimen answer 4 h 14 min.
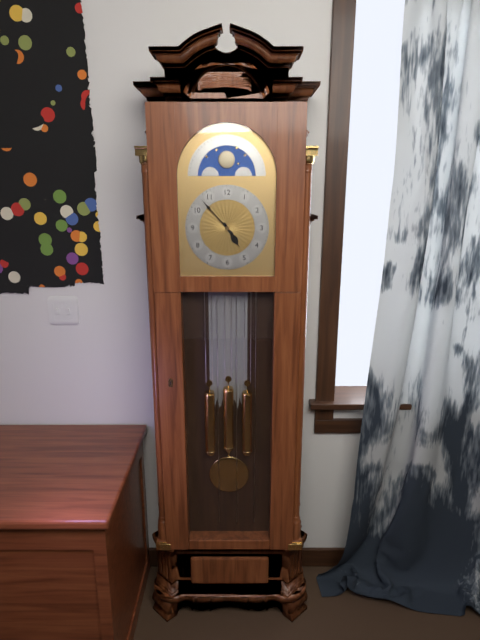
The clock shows 4 h 53 min
